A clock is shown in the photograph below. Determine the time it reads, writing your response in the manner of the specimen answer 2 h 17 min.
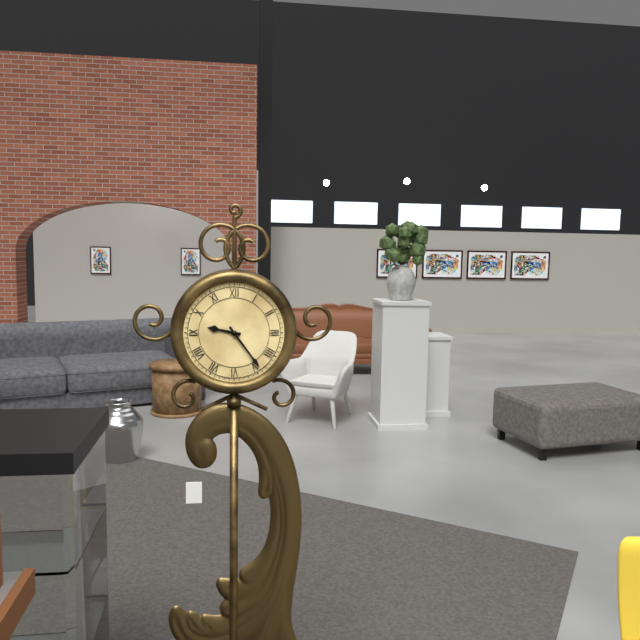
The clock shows 9 h 24 min
